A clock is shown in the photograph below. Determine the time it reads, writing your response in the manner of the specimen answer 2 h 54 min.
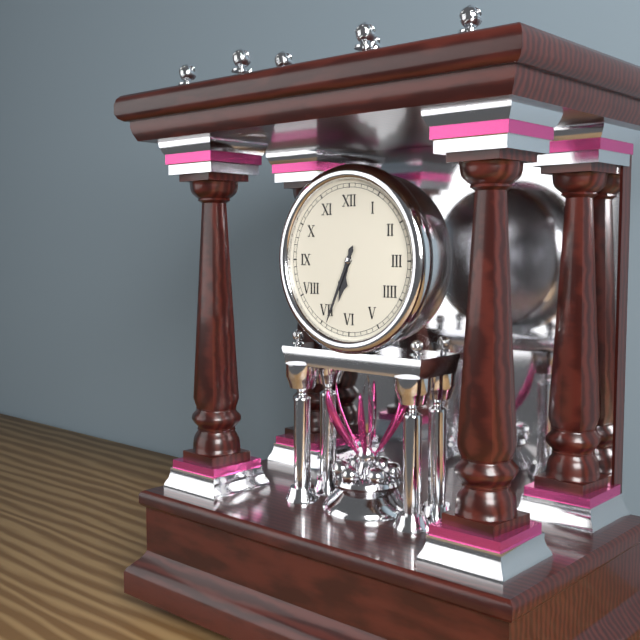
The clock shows 6 h 34 min
